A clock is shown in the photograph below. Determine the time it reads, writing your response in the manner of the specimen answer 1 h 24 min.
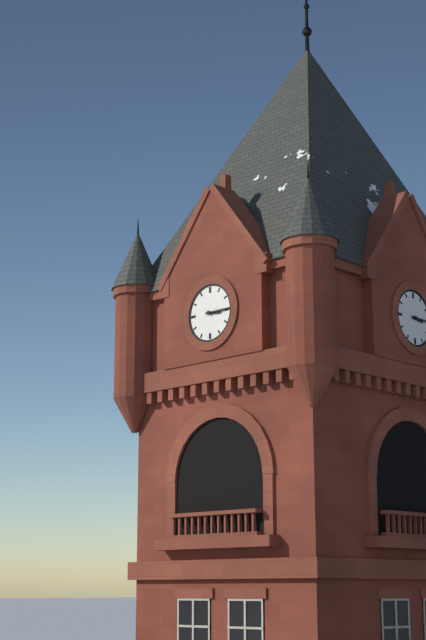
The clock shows 3 h 15 min
